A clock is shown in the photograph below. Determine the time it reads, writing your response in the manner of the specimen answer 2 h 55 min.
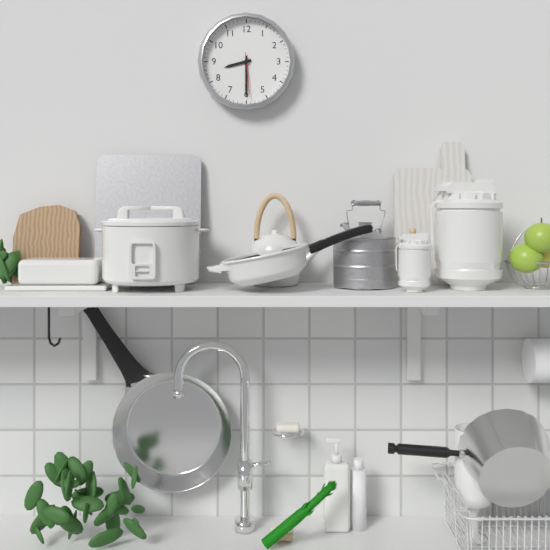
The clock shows 8 h 30 min
